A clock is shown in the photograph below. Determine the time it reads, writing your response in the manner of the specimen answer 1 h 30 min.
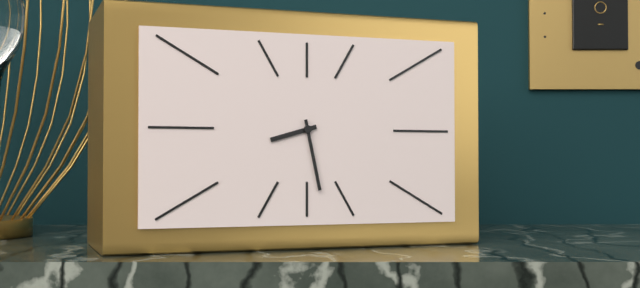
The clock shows 8 h 28 min
